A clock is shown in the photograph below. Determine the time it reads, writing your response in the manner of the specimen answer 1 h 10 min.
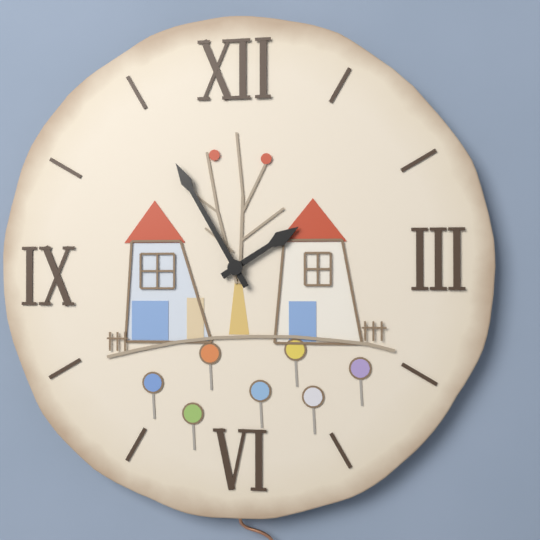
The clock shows 1 h 55 min
